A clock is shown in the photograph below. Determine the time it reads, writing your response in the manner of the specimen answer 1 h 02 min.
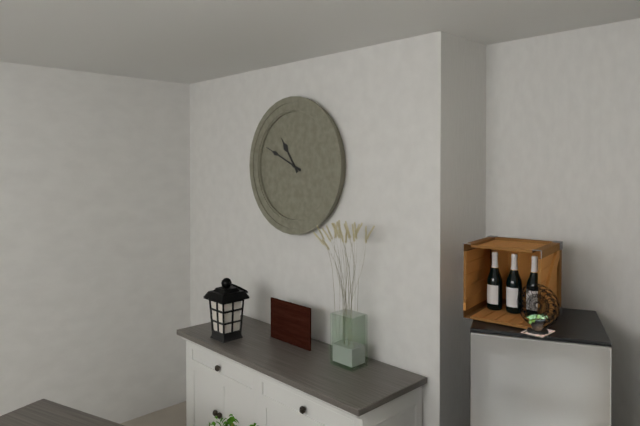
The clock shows 10 h 49 min
